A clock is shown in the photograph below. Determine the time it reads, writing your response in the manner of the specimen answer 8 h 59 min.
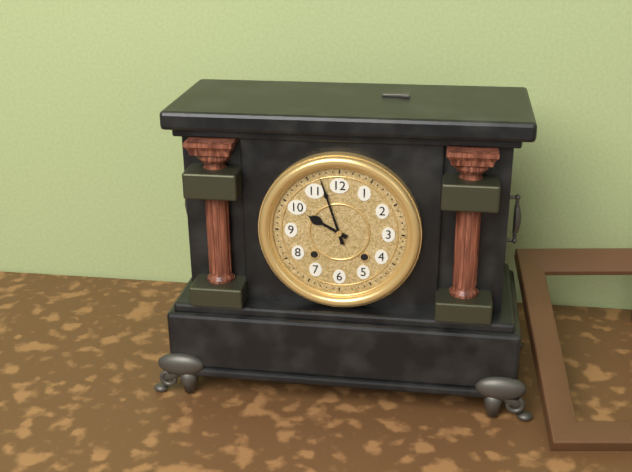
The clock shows 9 h 57 min
